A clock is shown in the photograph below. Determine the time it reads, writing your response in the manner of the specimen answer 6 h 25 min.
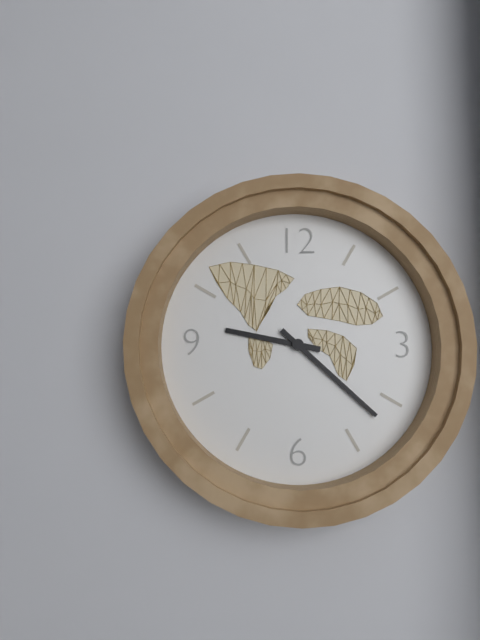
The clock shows 9 h 22 min
